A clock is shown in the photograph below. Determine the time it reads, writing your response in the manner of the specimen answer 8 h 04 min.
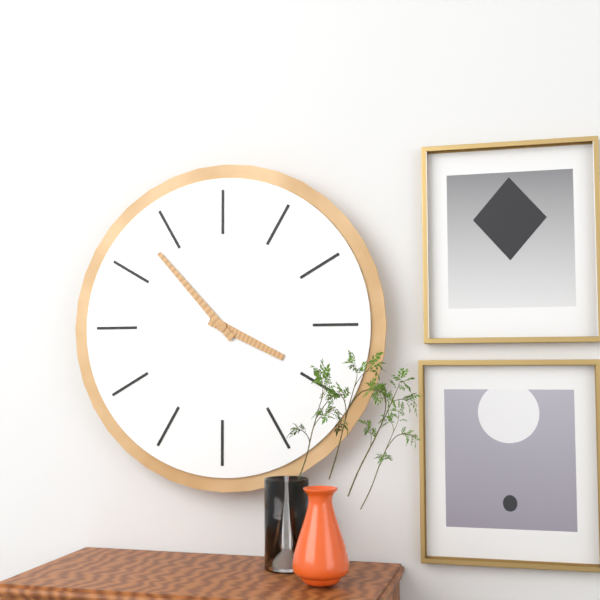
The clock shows 3 h 53 min
